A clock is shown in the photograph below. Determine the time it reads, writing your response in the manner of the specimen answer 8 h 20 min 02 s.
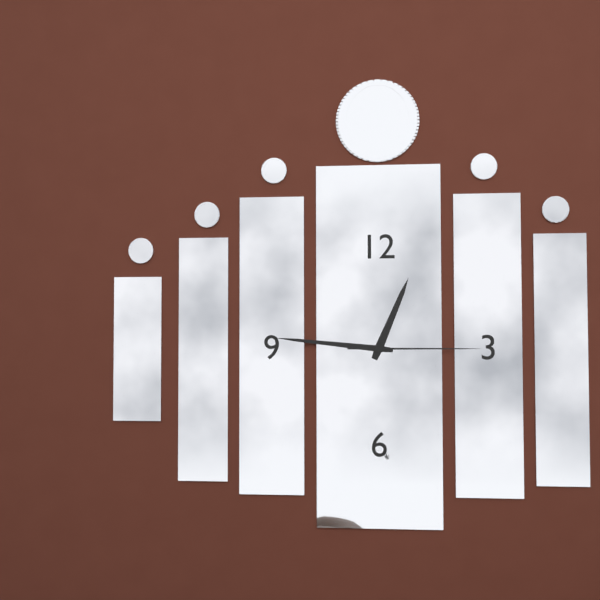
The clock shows 12 h 46 min 15 s
